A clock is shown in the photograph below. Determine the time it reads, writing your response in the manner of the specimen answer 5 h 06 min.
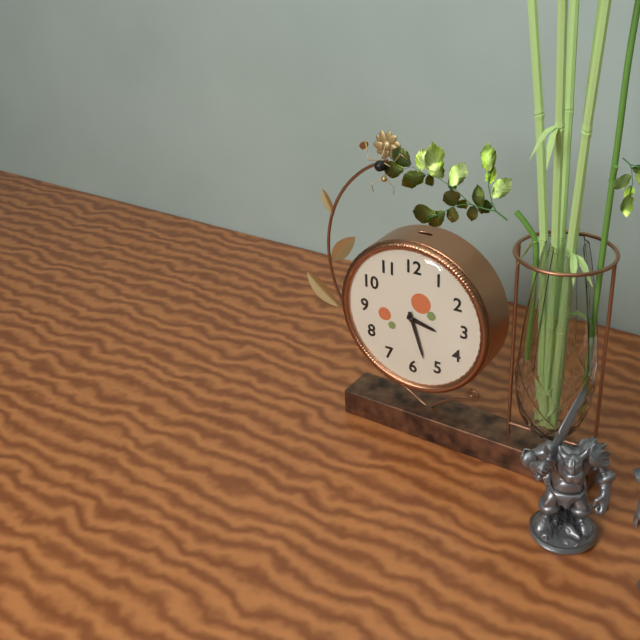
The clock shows 3 h 27 min
